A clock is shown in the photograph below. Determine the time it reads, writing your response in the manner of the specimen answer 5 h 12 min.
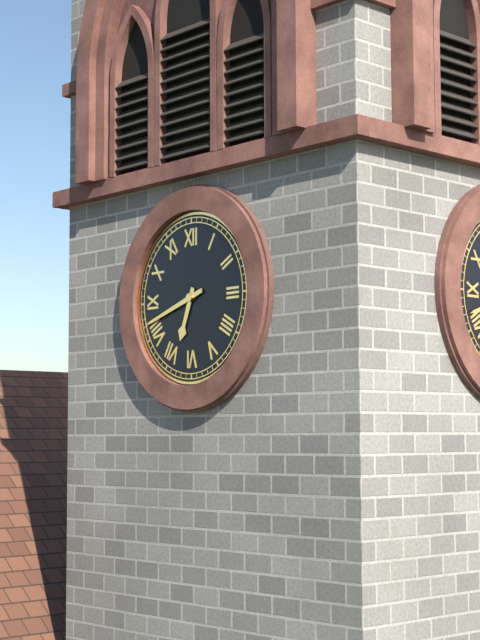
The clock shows 6 h 42 min
